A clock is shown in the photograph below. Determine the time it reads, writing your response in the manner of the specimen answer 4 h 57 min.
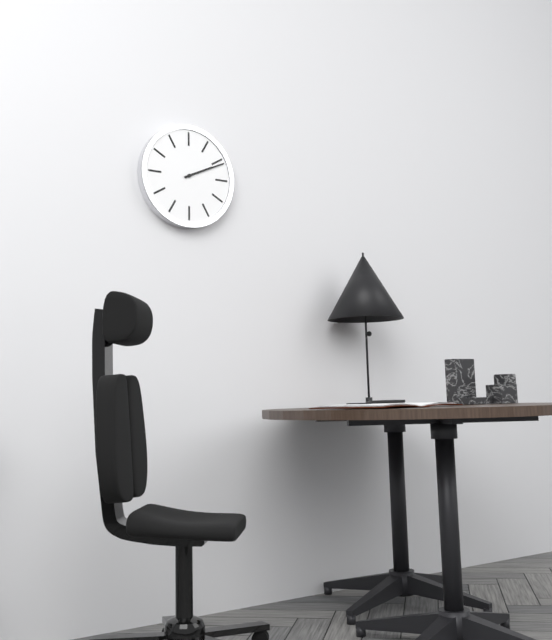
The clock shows 2 h 11 min
